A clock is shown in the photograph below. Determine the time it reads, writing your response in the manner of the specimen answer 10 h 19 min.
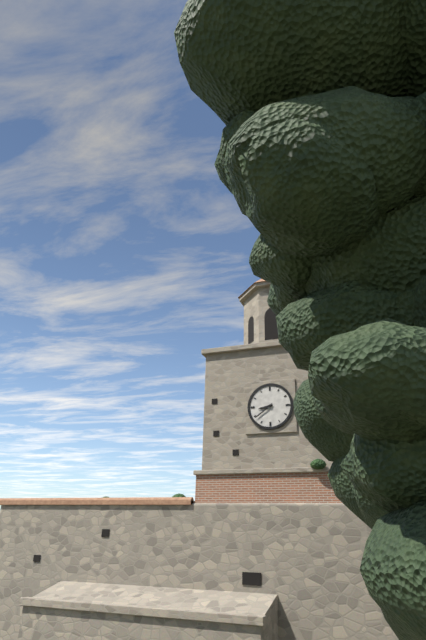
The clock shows 8 h 39 min
